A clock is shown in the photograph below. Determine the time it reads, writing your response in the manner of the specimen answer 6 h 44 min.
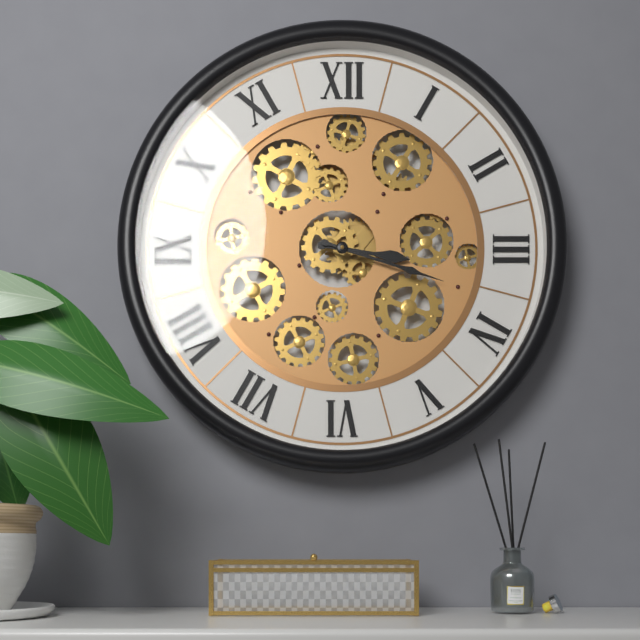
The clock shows 3 h 18 min
